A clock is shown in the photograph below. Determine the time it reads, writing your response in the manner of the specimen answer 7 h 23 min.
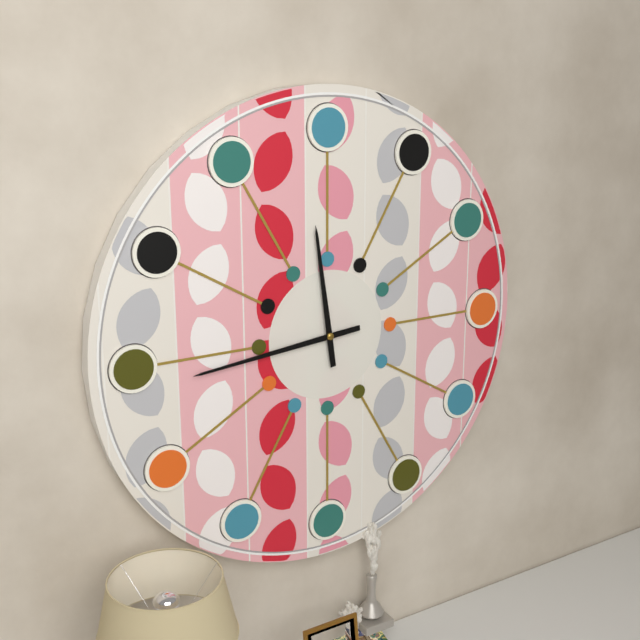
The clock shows 11 h 44 min
